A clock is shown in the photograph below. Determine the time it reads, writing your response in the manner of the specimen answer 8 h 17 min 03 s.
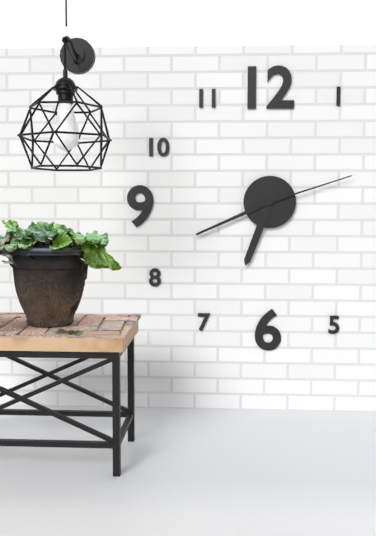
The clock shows 6 h 41 min 12 s
